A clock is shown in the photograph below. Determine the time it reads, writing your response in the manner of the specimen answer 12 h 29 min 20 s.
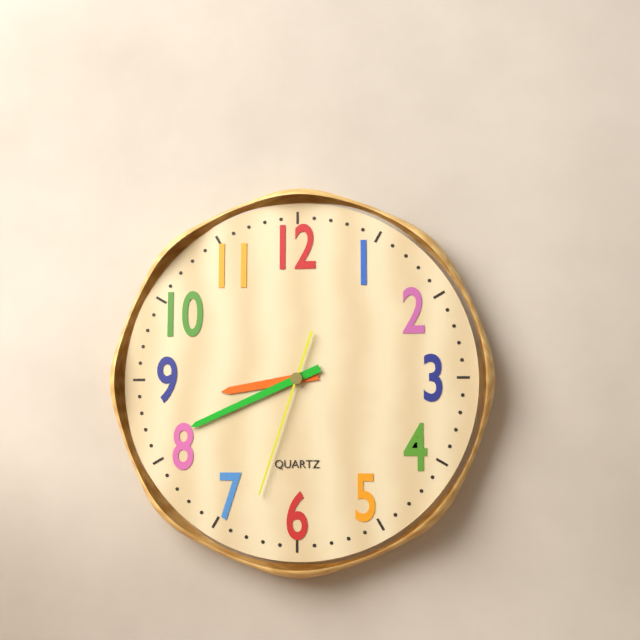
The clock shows 8 h 41 min 33 s
